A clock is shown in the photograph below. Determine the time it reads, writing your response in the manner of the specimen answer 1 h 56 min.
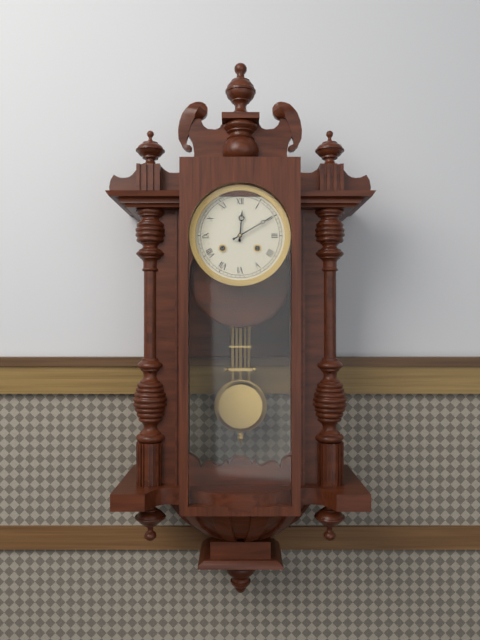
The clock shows 12 h 10 min
